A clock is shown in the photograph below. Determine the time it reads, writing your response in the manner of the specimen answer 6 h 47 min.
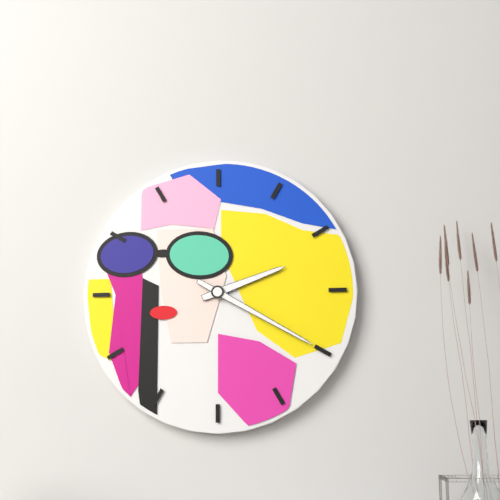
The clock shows 2 h 20 min
